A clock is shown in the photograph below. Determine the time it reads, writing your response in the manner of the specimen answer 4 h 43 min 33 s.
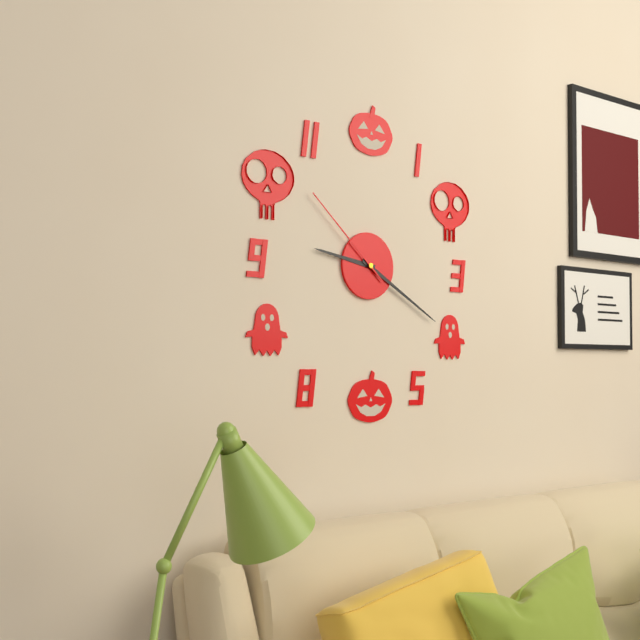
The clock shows 9 h 20 min 52 s
